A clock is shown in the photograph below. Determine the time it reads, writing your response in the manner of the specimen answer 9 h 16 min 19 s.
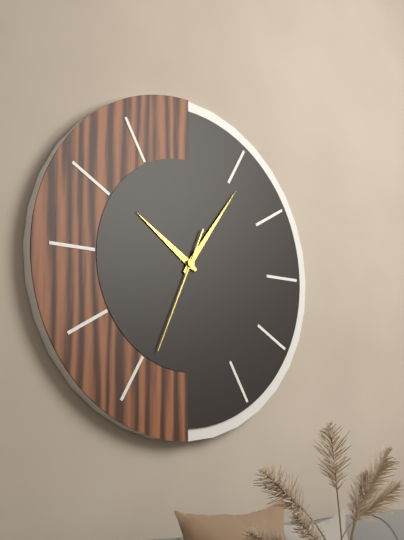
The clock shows 10 h 06 min 34 s
